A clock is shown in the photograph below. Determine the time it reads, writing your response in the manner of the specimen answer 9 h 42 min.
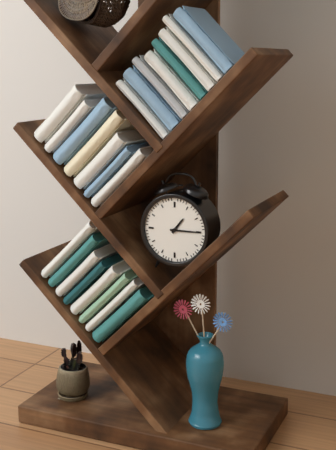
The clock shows 1 h 15 min
